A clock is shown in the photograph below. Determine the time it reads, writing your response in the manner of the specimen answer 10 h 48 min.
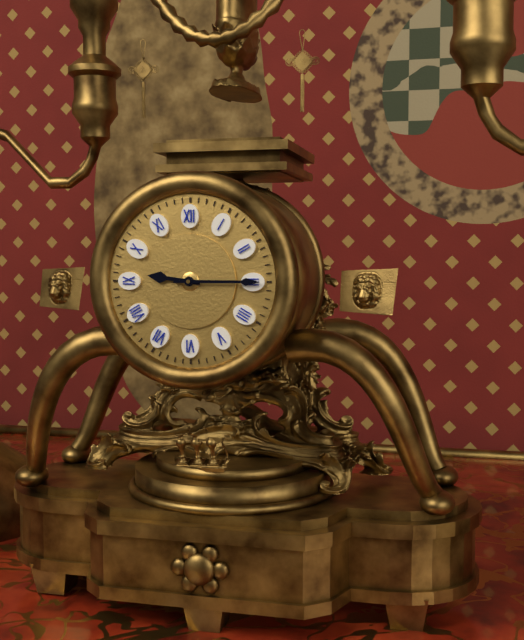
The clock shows 9 h 15 min
